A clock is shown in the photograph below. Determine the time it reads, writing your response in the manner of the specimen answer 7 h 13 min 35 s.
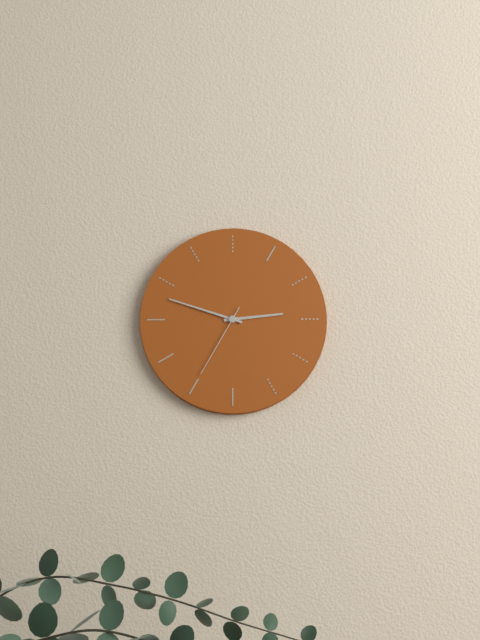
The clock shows 2 h 48 min 35 s
